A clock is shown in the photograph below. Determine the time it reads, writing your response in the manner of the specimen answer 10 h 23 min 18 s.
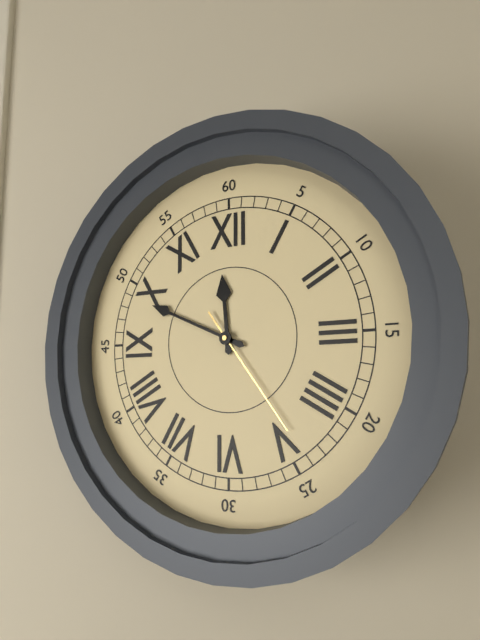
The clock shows 11 h 49 min 24 s
